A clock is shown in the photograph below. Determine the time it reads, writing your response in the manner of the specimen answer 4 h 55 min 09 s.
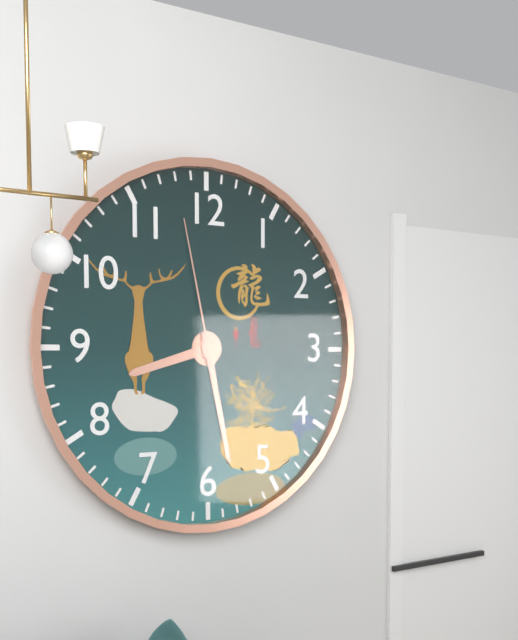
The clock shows 8 h 28 min 58 s
